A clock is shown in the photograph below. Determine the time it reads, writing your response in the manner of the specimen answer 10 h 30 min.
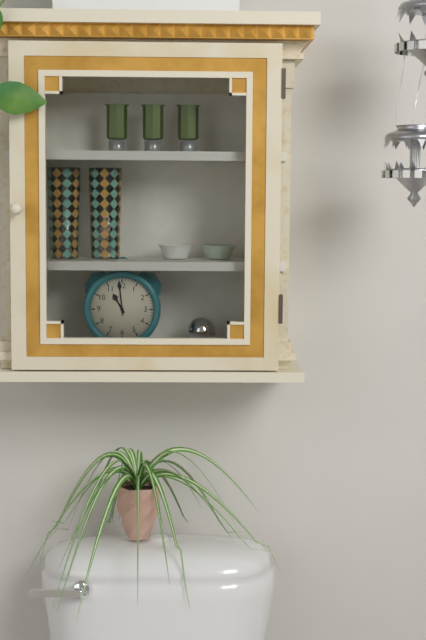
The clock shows 10 h 59 min
